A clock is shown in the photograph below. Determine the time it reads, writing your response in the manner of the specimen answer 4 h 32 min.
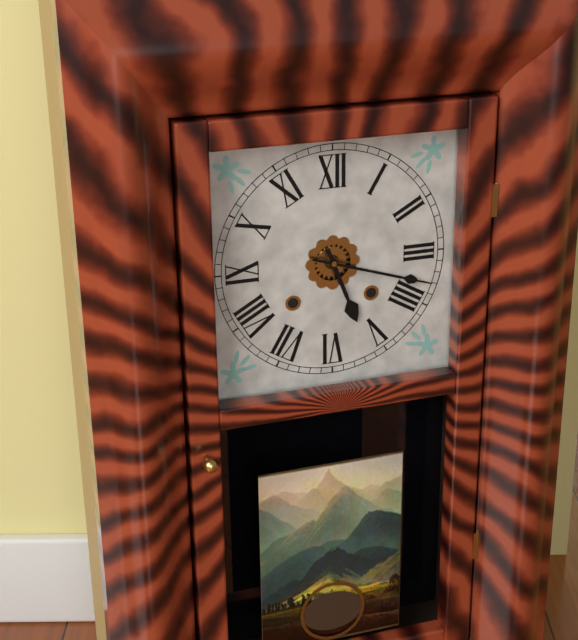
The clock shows 5 h 18 min
